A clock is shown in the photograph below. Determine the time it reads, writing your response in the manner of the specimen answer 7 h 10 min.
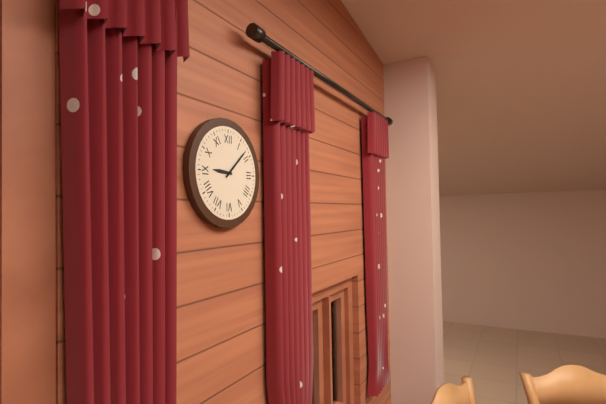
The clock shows 9 h 08 min
